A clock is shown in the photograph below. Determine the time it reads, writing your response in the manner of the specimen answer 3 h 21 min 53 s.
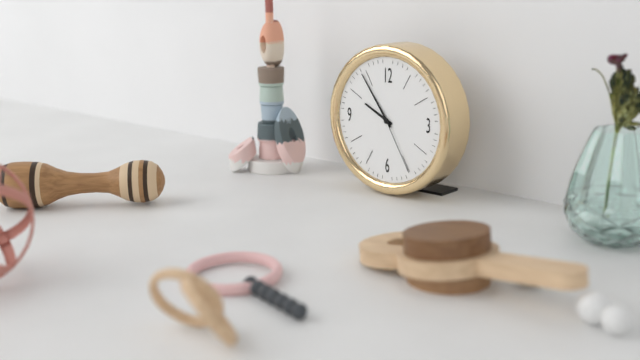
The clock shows 9 h 54 min 25 s
